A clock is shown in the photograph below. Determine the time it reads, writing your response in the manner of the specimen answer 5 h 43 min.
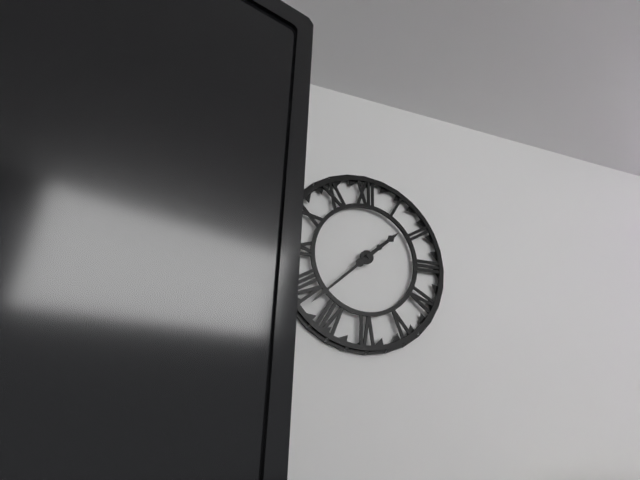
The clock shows 1 h 38 min
